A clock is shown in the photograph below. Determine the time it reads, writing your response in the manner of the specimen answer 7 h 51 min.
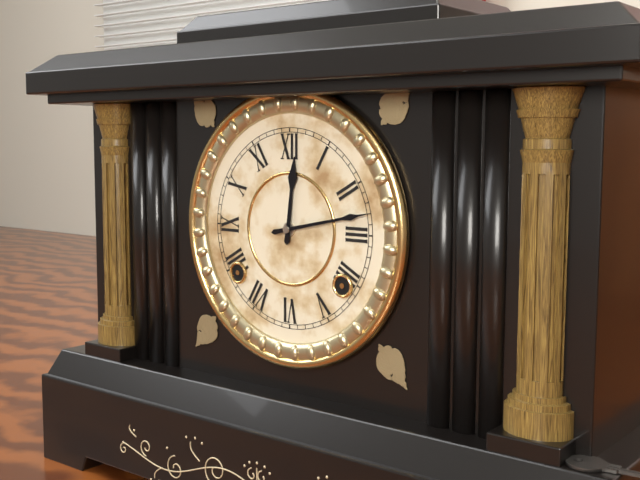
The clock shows 12 h 13 min
